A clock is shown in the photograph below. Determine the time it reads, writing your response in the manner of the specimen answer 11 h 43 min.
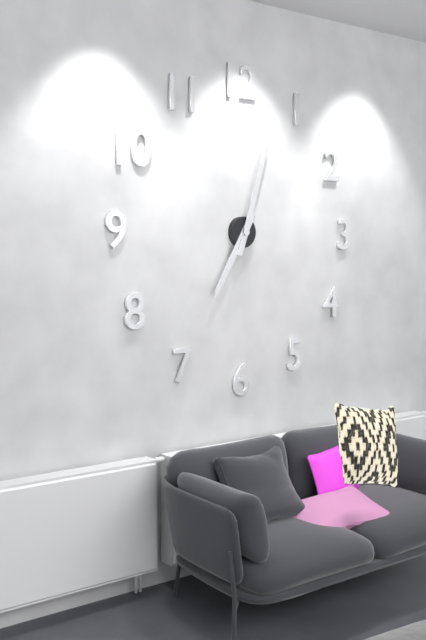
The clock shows 7 h 03 min
